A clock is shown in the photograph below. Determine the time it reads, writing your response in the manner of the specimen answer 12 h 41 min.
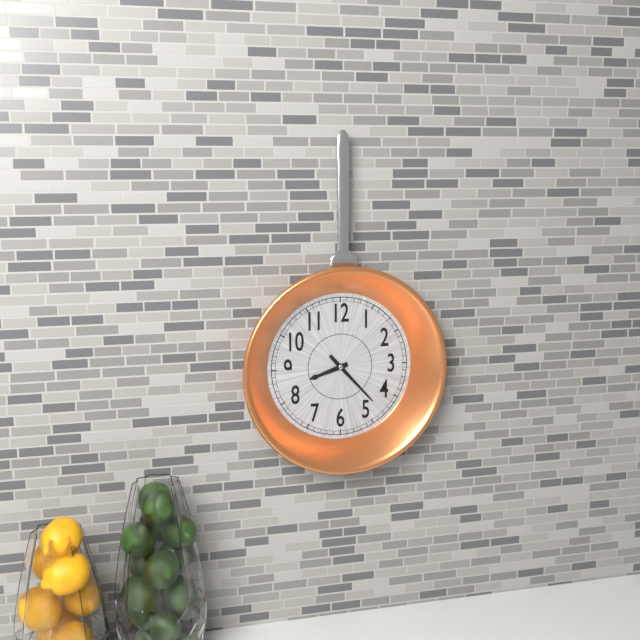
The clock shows 8 h 23 min
